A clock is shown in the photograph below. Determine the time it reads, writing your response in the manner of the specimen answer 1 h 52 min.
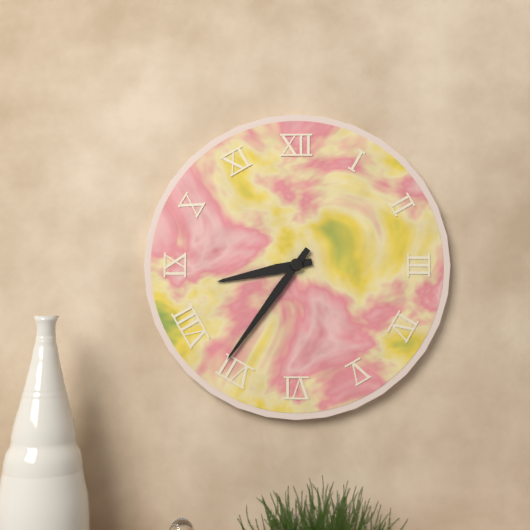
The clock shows 8 h 36 min
